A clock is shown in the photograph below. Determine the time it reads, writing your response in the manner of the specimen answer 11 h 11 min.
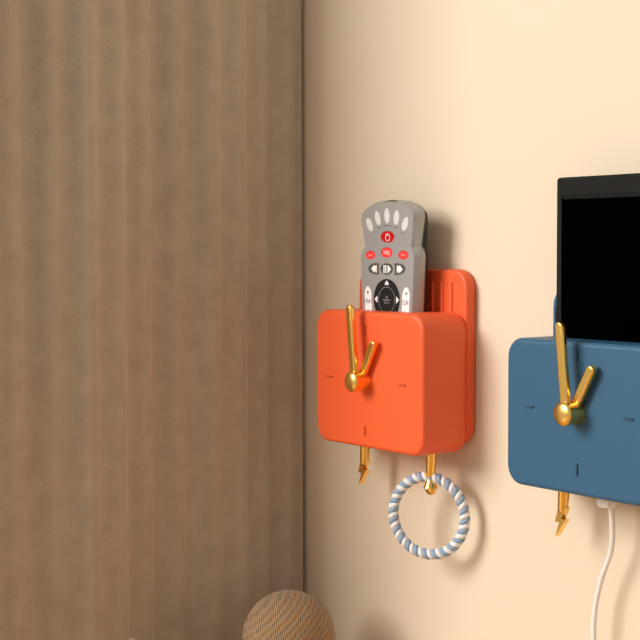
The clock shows 12 h 59 min
